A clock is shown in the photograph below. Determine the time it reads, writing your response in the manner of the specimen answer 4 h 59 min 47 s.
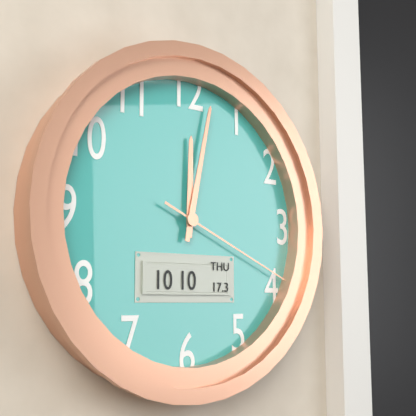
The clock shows 12 h 02 min 19 s
